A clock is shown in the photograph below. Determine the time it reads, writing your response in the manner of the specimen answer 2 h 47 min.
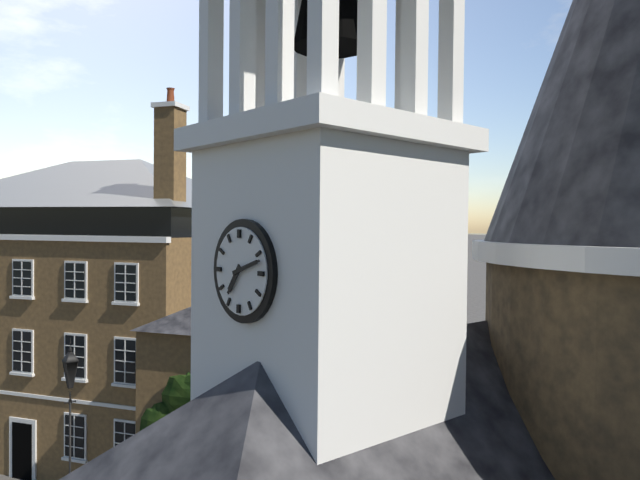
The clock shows 7 h 12 min
